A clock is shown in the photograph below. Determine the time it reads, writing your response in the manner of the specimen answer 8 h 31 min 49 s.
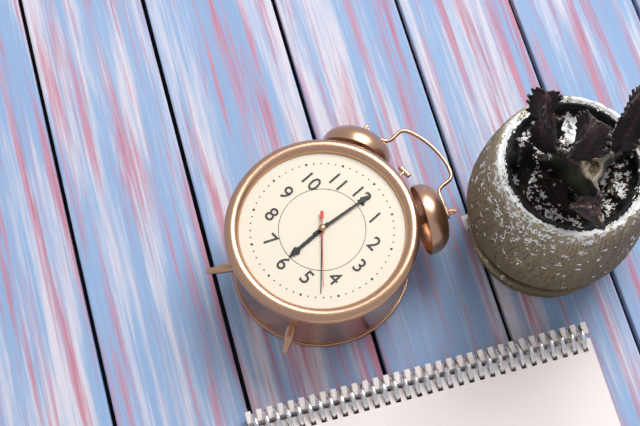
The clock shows 6 h 01 min 22 s
